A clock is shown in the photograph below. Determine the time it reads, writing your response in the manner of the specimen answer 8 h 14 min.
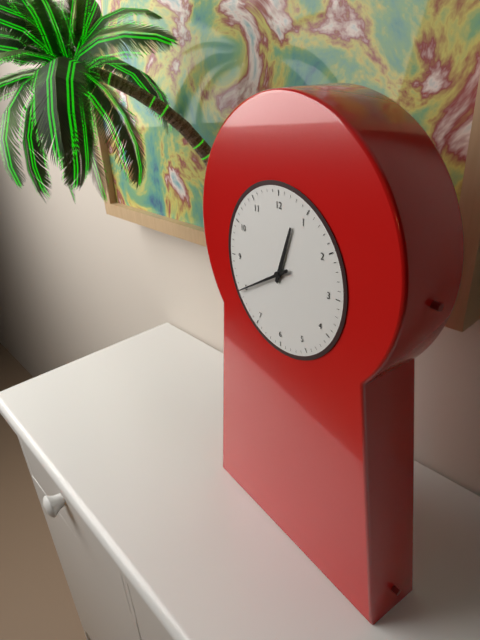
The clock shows 12 h 40 min
